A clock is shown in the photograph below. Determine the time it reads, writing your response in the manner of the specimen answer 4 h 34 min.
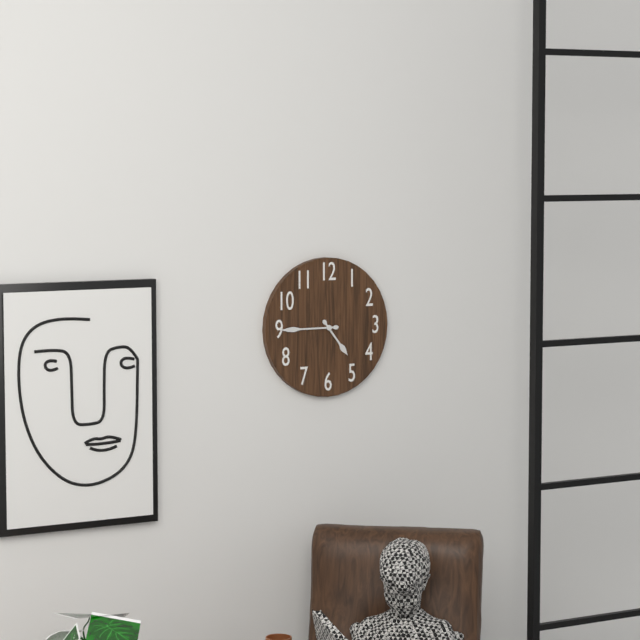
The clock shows 4 h 45 min
